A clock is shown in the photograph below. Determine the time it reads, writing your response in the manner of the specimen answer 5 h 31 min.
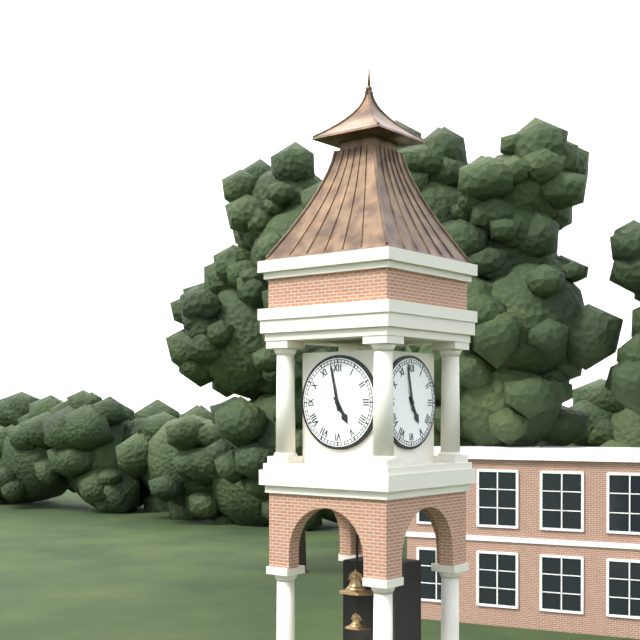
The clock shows 4 h 58 min
